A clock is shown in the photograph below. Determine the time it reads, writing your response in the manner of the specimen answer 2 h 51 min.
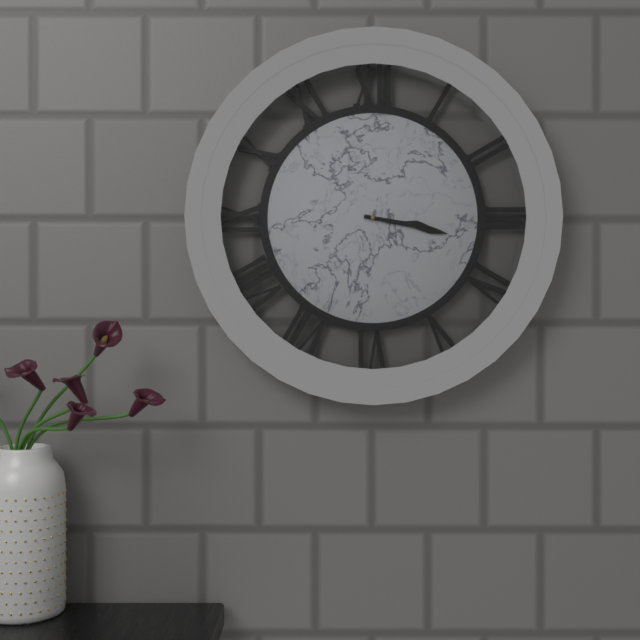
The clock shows 3 h 17 min
